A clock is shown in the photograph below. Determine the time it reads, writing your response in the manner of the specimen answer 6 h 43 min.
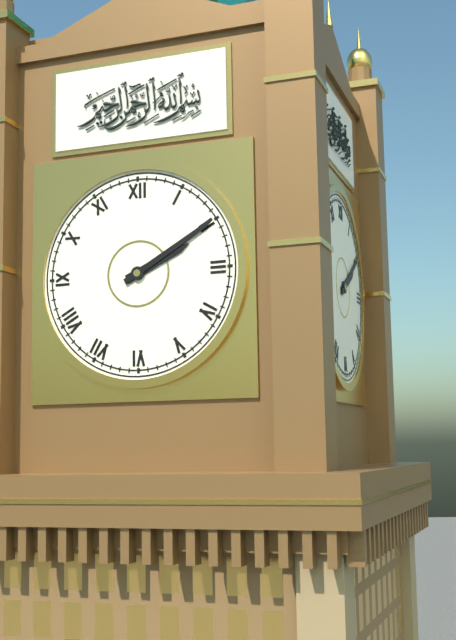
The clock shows 2 h 10 min
